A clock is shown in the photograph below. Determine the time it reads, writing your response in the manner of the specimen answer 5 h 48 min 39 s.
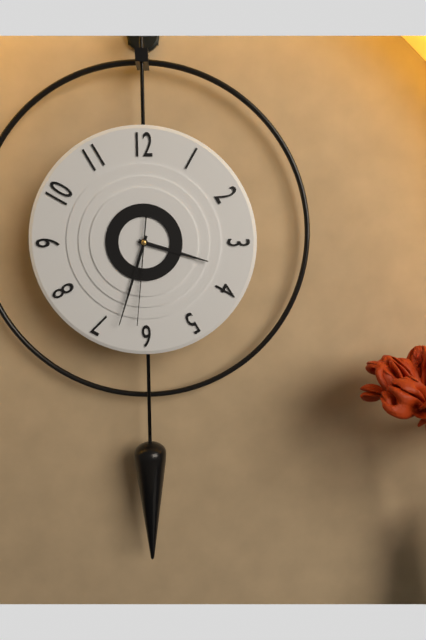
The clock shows 3 h 33 min 31 s
